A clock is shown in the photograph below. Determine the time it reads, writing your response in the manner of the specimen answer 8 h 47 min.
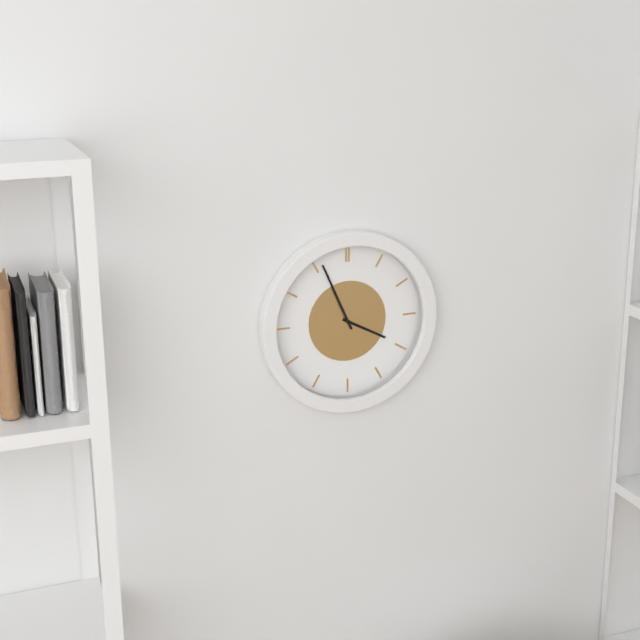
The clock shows 3 h 56 min
